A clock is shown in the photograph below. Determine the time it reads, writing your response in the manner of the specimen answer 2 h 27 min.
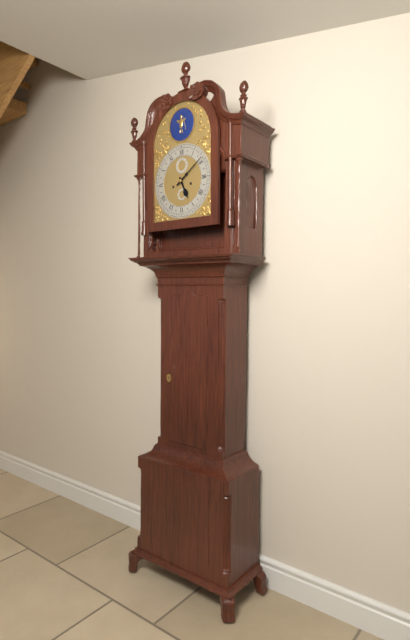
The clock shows 5 h 09 min
